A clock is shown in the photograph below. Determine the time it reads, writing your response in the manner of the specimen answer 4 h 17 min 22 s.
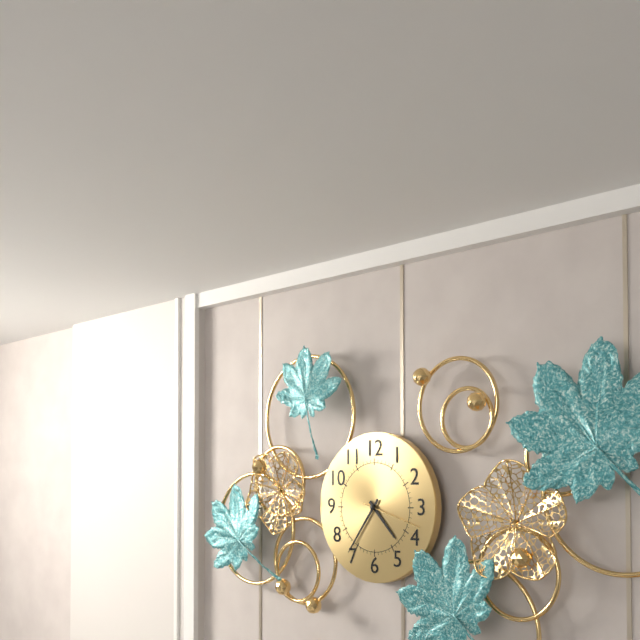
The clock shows 4 h 36 min 18 s
